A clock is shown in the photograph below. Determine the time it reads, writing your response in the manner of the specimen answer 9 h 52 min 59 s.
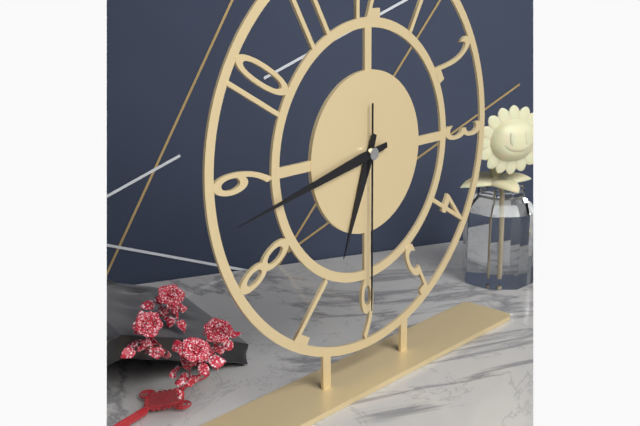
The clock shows 6 h 43 min 30 s
